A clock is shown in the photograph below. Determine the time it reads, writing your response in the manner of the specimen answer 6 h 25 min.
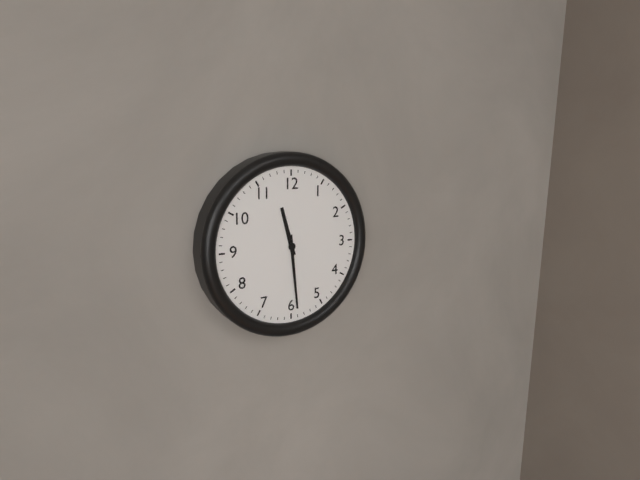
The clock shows 11 h 29 min
